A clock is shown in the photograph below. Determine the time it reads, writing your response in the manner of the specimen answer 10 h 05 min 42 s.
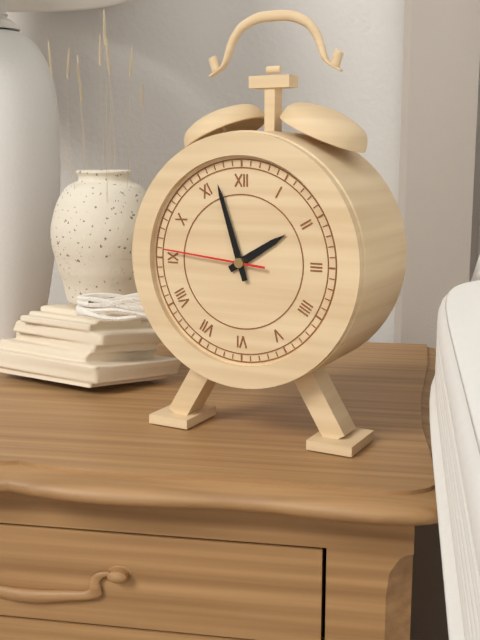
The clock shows 1 h 57 min 46 s
